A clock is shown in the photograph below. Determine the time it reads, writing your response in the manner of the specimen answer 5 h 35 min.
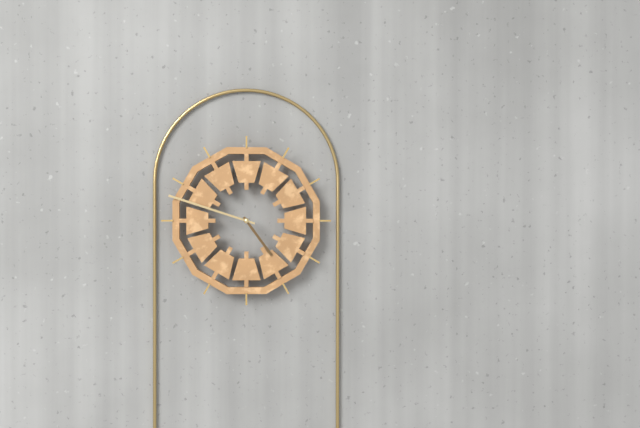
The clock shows 4 h 48 min
